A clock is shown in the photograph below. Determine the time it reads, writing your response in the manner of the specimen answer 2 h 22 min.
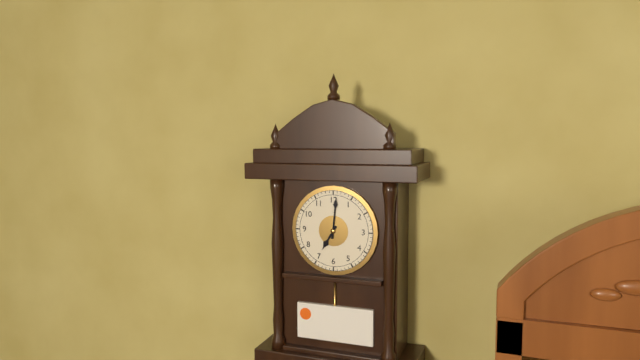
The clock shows 7 h 01 min
